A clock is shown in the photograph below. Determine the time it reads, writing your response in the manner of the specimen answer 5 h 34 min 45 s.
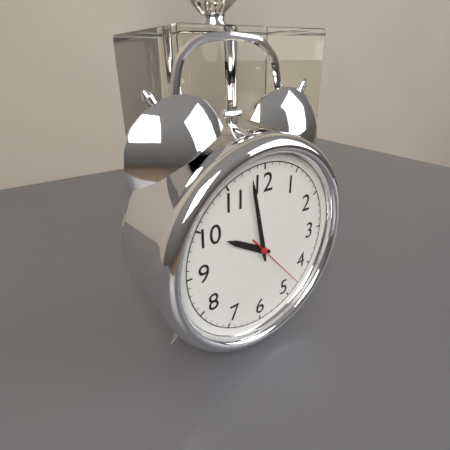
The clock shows 9 h 58 min 23 s
